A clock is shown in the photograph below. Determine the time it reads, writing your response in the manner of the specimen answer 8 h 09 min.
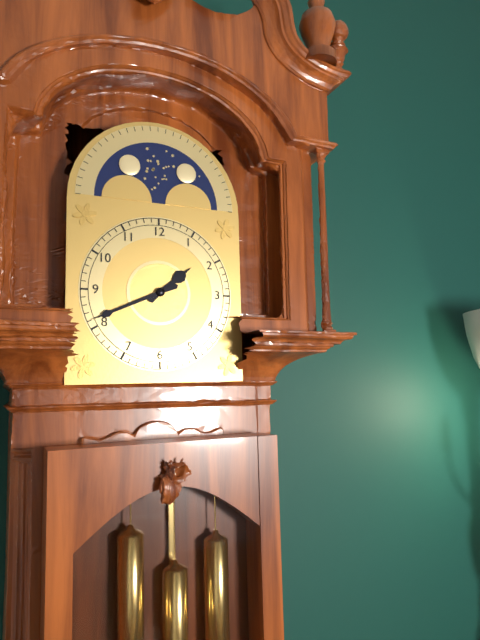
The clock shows 1 h 41 min
